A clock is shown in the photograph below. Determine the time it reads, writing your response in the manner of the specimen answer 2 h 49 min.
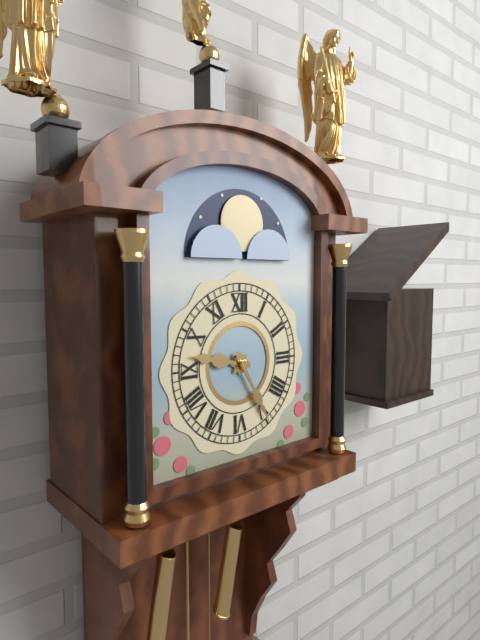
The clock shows 9 h 25 min
